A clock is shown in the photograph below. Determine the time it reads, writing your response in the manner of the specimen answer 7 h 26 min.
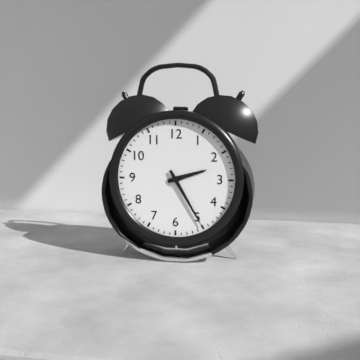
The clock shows 2 h 25 min
